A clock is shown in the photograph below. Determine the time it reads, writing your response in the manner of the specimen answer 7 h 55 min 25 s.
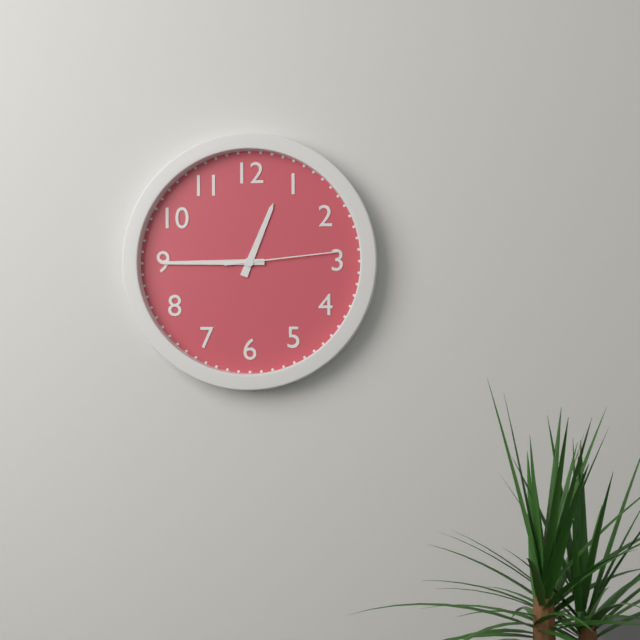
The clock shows 12 h 45 min 14 s
